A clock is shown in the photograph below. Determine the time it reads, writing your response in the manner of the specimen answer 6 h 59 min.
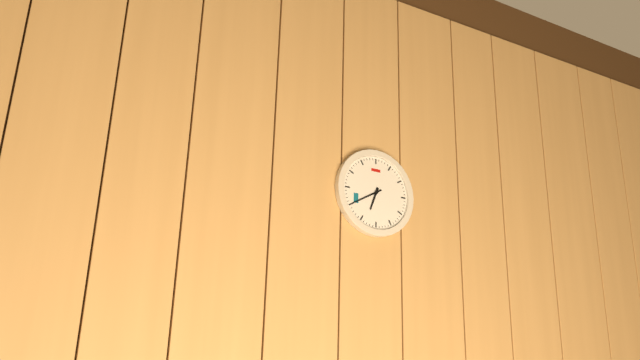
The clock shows 6 h 40 min
